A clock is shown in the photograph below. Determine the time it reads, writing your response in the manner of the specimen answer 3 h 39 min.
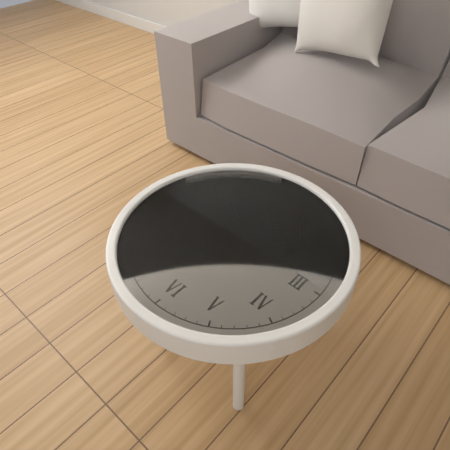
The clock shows 12 h 01 min
